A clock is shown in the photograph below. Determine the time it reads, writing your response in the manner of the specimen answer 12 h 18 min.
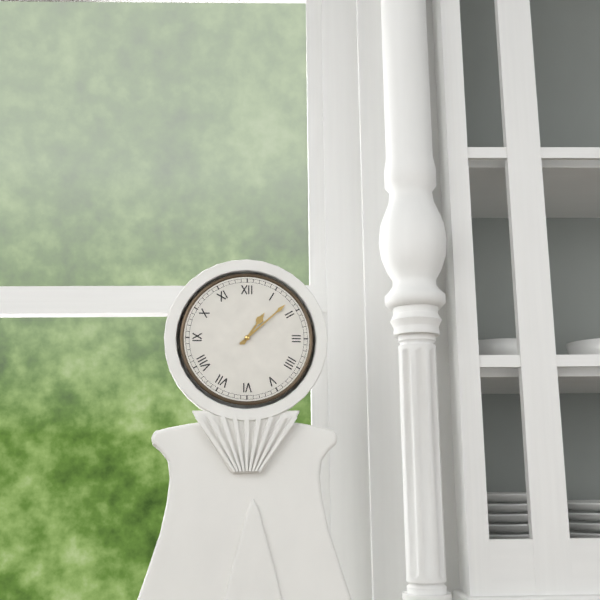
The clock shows 1 h 08 min
